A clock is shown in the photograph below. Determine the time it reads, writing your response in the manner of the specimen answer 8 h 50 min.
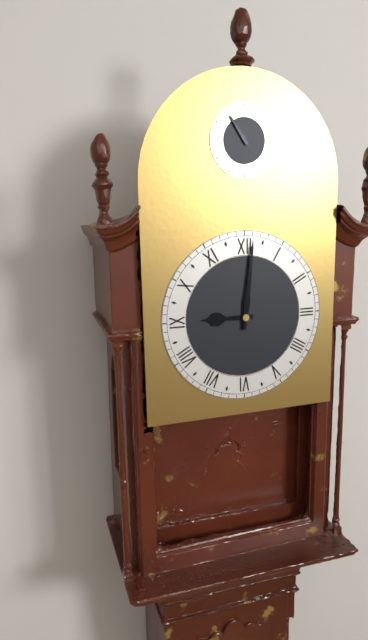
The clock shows 9 h 01 min
